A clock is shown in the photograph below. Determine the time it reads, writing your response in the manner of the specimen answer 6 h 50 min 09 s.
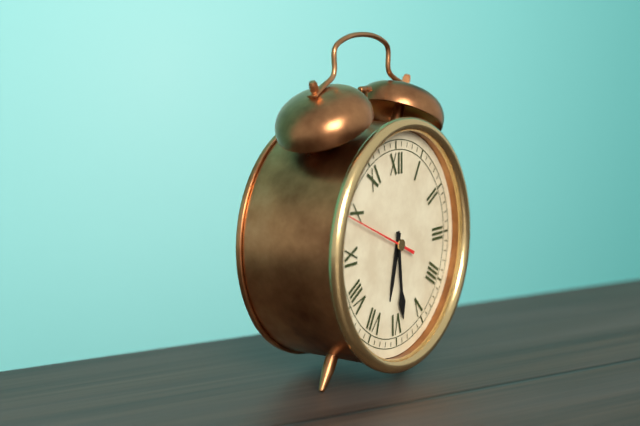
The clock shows 6 h 29 min 49 s
